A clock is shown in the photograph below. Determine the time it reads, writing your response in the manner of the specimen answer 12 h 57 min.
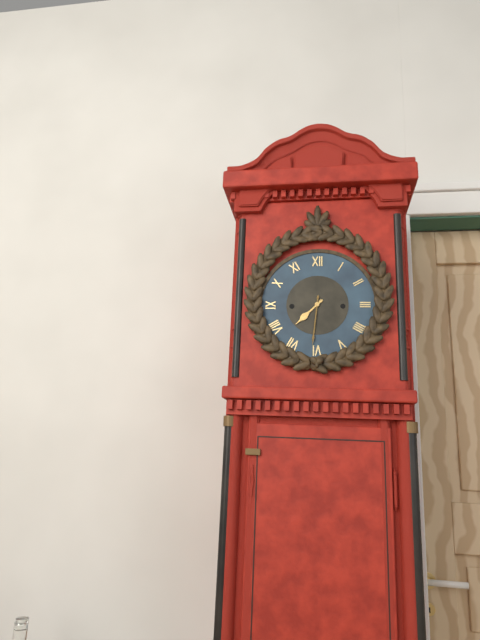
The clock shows 7 h 31 min
